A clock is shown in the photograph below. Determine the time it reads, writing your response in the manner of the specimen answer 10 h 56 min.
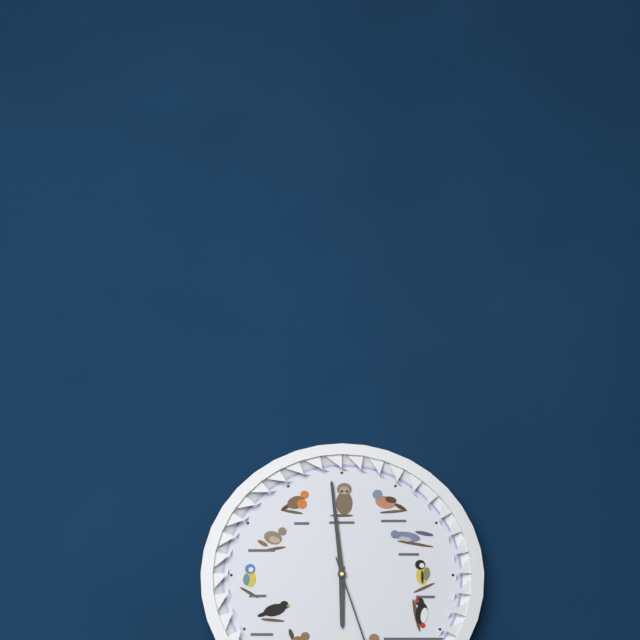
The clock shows 5 h 59 min
